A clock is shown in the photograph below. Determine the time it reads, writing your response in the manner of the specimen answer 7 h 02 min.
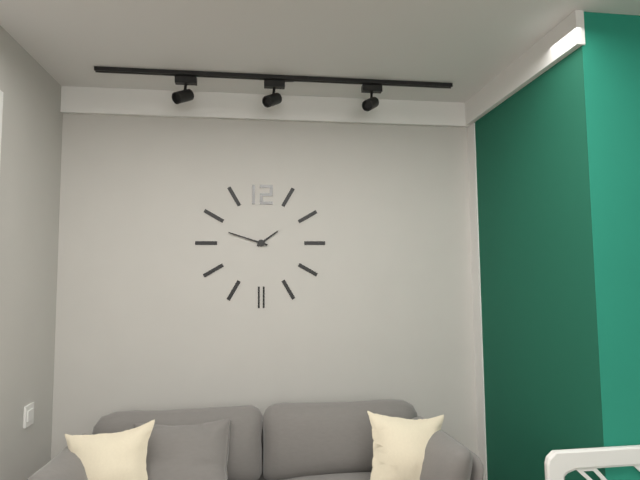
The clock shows 1 h 48 min
